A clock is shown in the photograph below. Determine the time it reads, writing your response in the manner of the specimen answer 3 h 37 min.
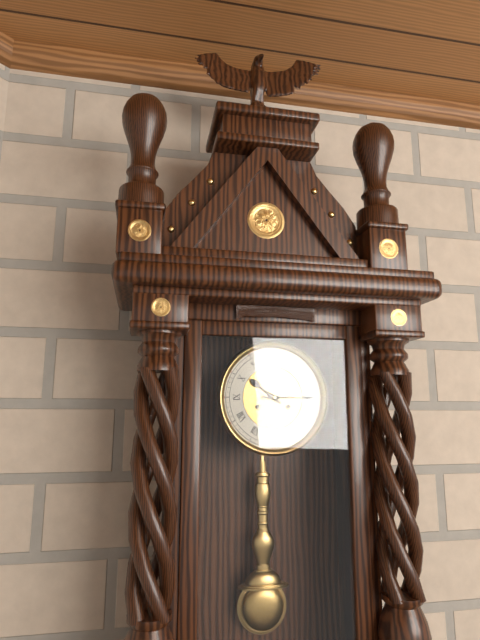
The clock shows 10 h 15 min
